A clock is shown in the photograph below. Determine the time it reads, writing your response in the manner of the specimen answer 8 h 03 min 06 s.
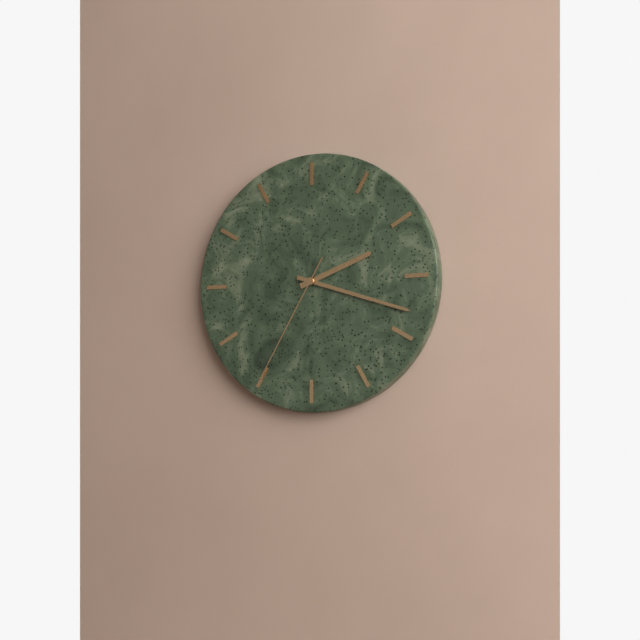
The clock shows 2 h 18 min 35 s
